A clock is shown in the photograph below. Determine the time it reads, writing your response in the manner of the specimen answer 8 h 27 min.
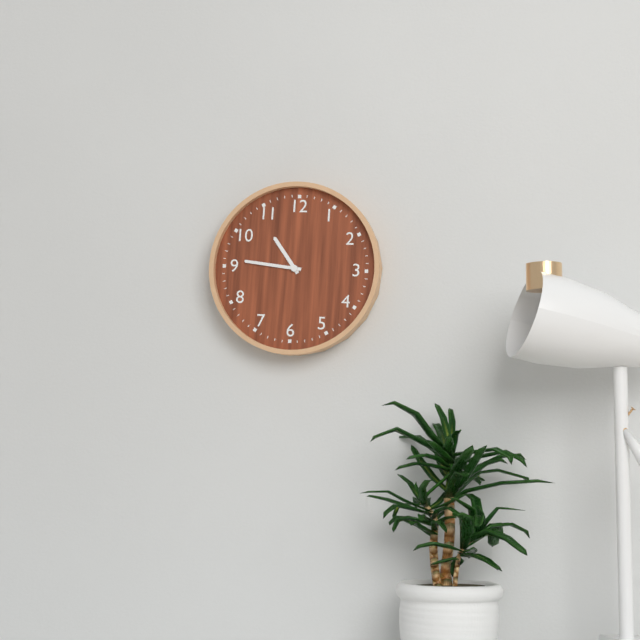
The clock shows 10 h 46 min
